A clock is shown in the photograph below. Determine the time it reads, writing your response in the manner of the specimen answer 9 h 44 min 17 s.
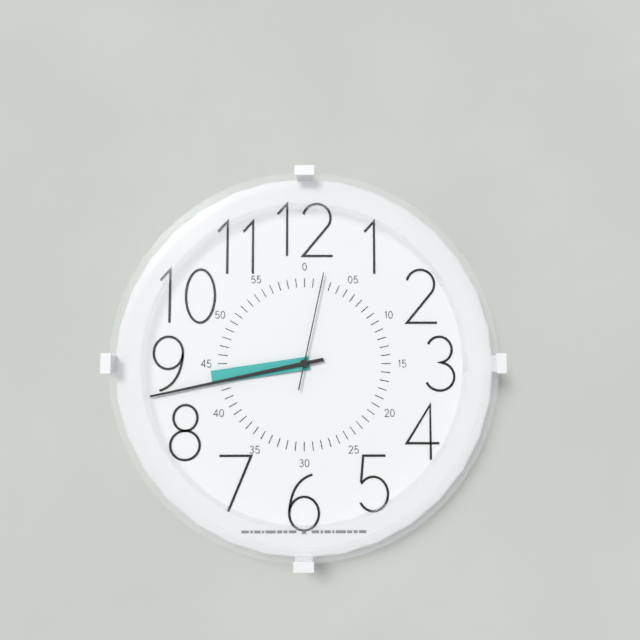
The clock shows 8 h 43 min 02 s
